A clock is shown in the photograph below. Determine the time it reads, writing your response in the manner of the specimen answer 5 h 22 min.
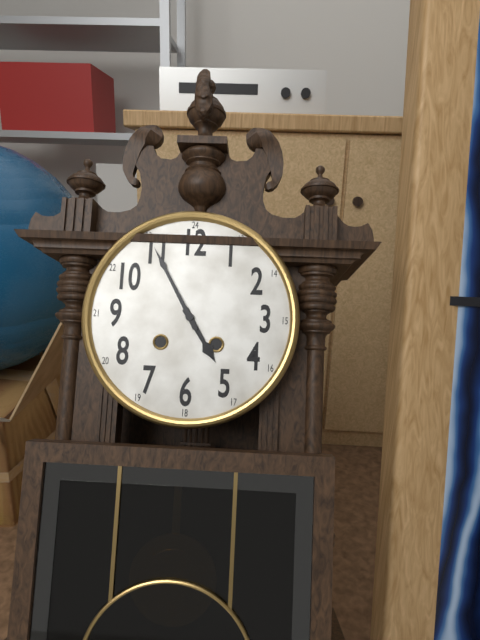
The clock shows 4 h 55 min
